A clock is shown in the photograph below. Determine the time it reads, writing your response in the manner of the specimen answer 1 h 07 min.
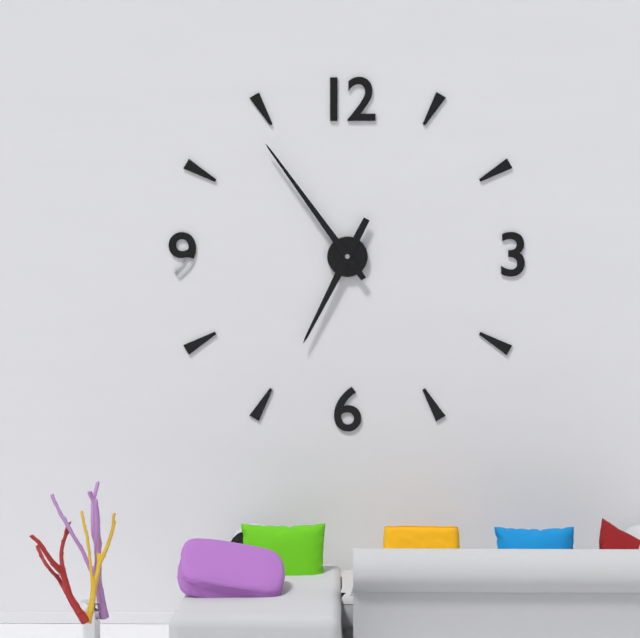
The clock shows 6 h 54 min
